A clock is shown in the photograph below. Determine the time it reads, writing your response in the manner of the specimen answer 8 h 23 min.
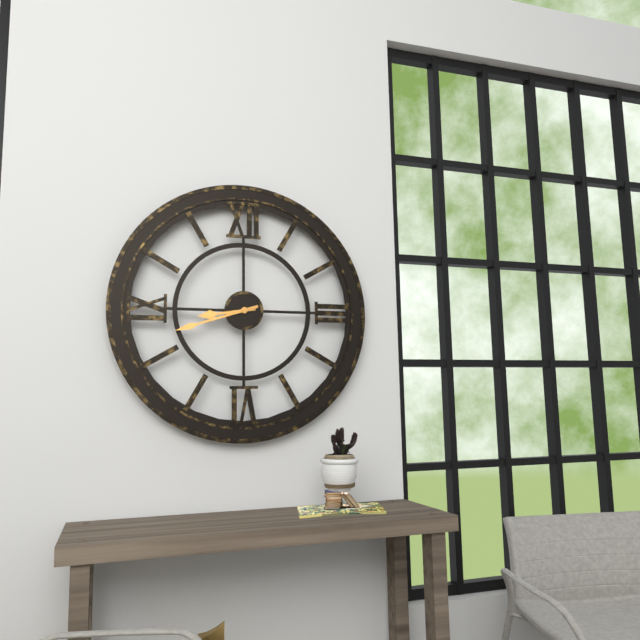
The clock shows 8 h 42 min
